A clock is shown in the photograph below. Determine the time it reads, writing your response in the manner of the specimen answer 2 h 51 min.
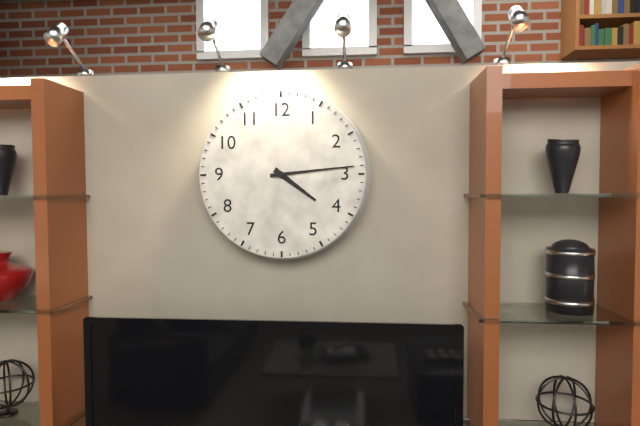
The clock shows 4 h 14 min
